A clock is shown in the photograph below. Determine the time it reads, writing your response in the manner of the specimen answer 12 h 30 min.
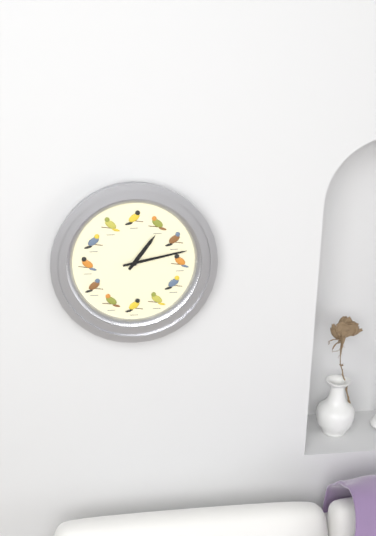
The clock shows 1 h 13 min
